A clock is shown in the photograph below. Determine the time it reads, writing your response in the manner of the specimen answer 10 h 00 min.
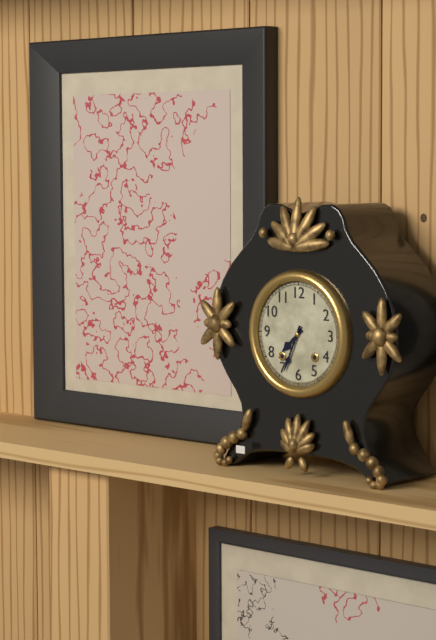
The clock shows 7 h 34 min
